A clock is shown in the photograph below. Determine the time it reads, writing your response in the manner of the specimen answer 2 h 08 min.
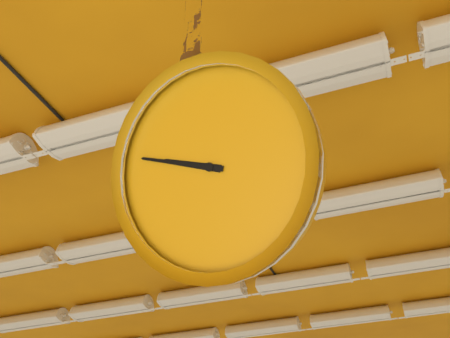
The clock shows 9 h 49 min
